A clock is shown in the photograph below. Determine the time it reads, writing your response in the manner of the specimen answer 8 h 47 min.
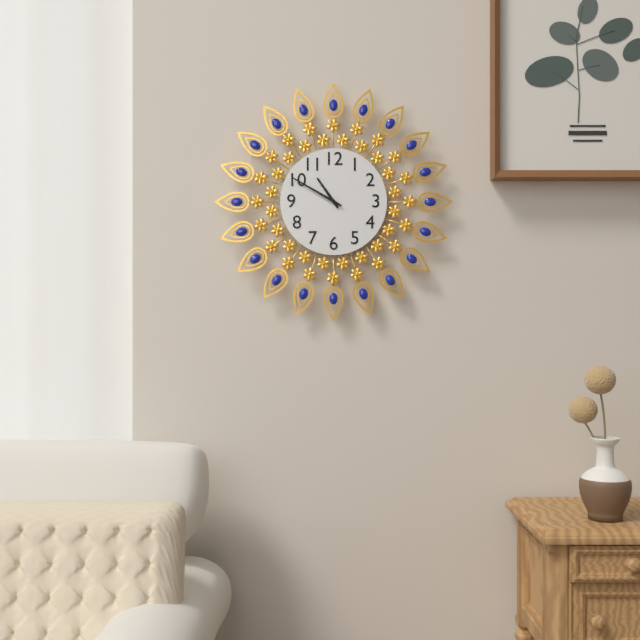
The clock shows 10 h 50 min
